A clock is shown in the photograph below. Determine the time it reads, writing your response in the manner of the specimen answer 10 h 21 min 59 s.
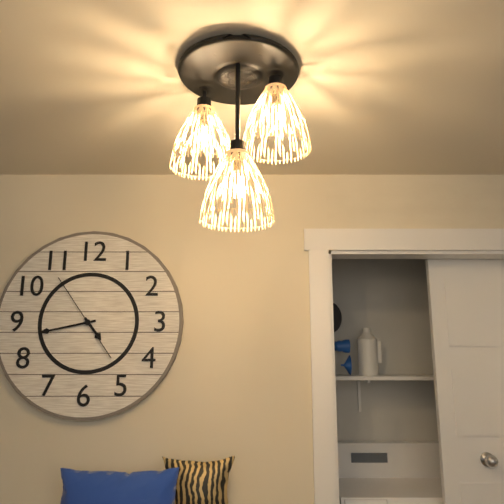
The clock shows 4 h 43 min 54 s
